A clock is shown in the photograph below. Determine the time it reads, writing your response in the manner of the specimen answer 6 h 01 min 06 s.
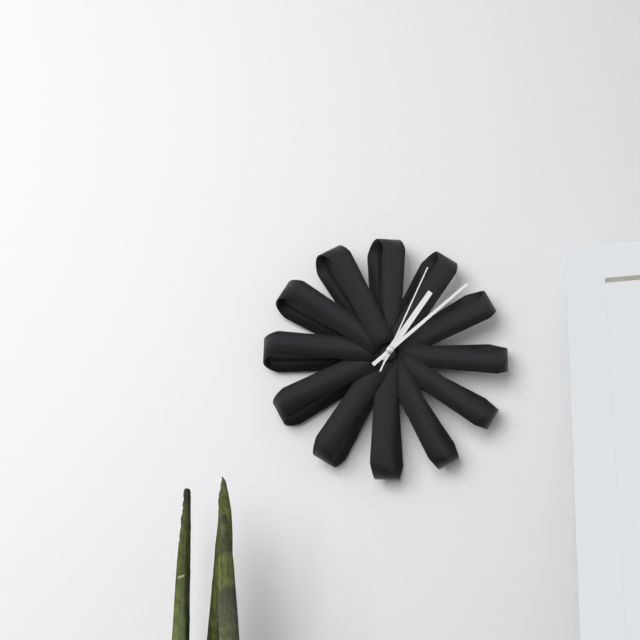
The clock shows 1 h 08 min 04 s
